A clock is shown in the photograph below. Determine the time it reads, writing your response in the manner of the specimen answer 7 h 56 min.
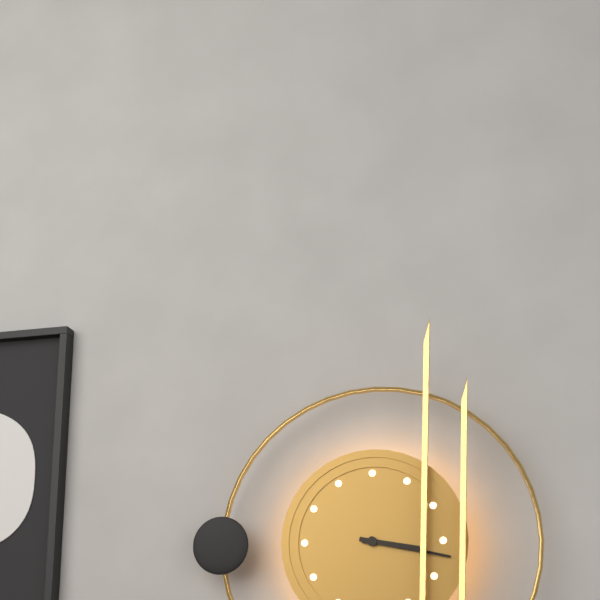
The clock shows 3 h 17 min
